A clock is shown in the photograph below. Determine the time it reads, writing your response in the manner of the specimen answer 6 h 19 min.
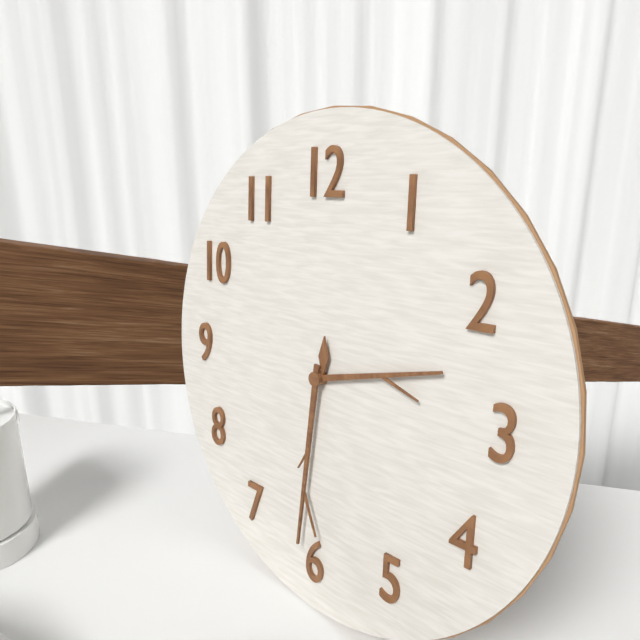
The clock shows 2 h 31 min
